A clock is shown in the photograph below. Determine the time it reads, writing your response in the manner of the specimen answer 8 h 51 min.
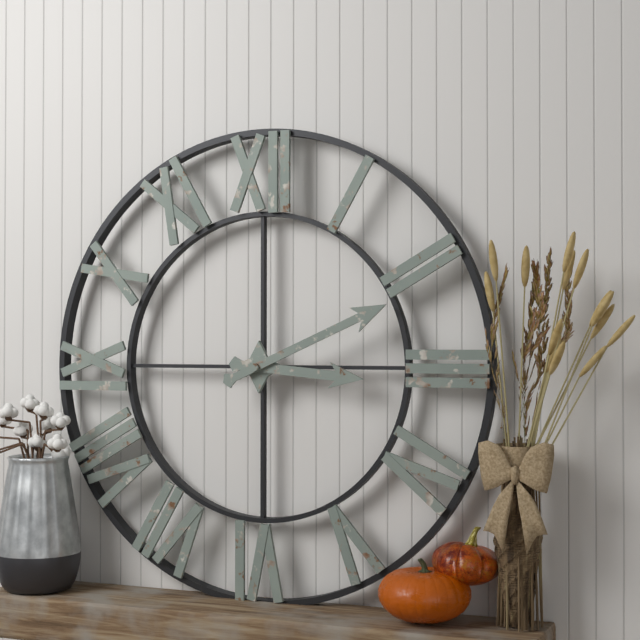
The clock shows 3 h 11 min
